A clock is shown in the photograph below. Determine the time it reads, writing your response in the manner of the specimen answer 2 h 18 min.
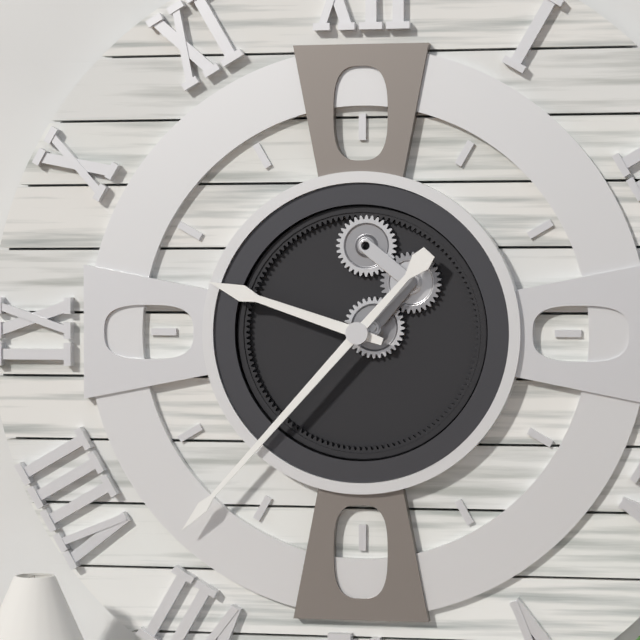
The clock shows 9 h 37 min
